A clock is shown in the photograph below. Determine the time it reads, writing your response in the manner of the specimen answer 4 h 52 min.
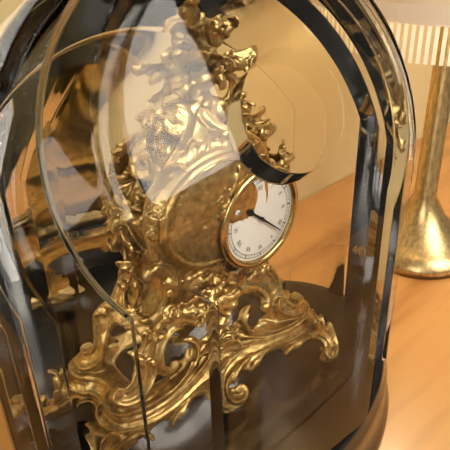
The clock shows 10 h 22 min
